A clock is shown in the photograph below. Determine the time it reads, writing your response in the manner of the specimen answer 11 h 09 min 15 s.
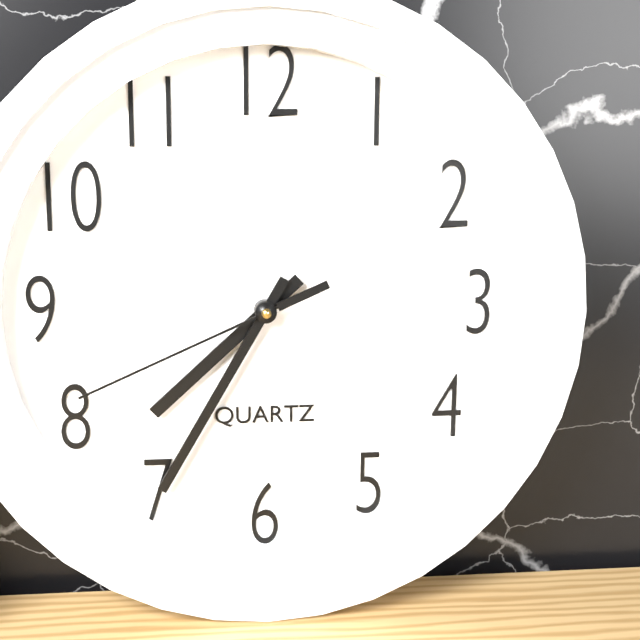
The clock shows 7 h 35 min 41 s
